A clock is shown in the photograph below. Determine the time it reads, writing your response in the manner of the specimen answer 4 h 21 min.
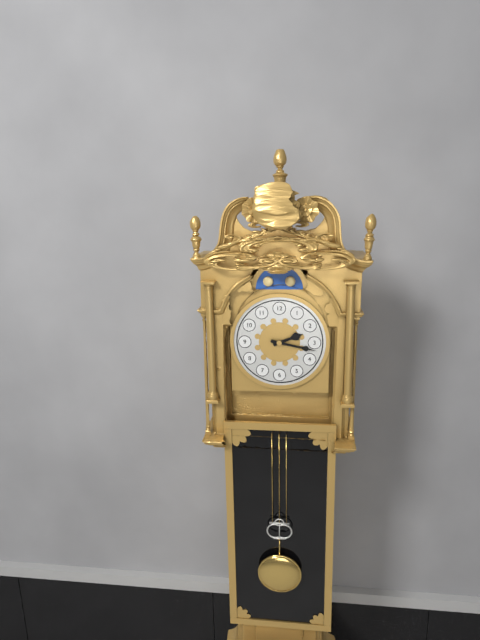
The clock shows 2 h 17 min
